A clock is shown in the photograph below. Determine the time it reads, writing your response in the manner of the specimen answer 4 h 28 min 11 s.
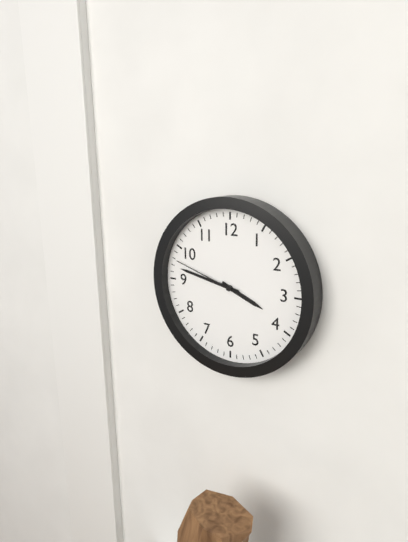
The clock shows 3 h 47 min 48 s
